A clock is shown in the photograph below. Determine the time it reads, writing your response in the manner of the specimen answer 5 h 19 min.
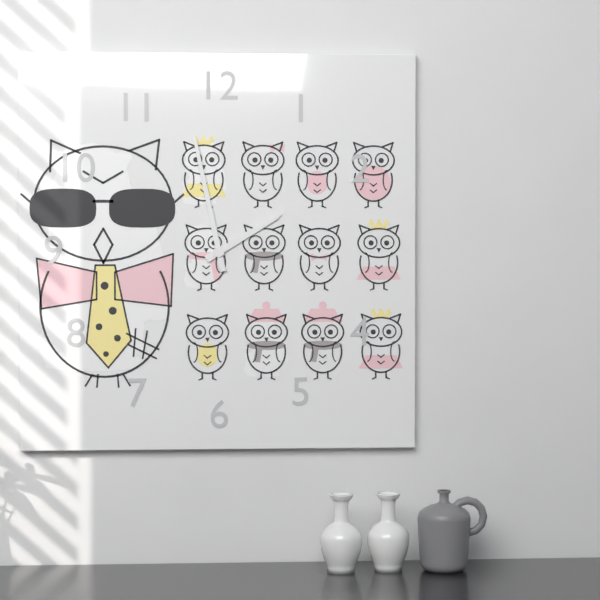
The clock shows 1 h 58 min
